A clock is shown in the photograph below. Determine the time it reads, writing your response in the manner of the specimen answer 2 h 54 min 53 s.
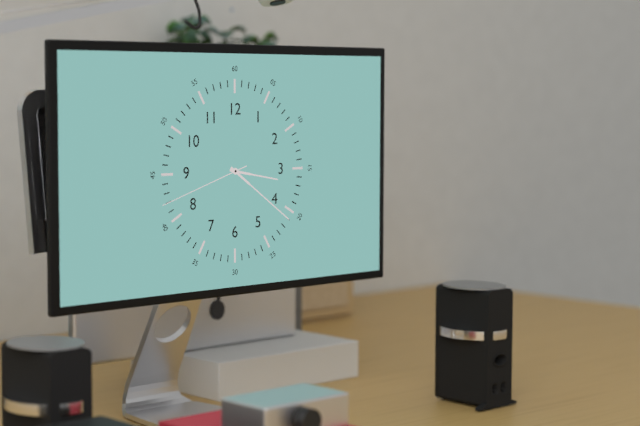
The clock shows 3 h 21 min 42 s
